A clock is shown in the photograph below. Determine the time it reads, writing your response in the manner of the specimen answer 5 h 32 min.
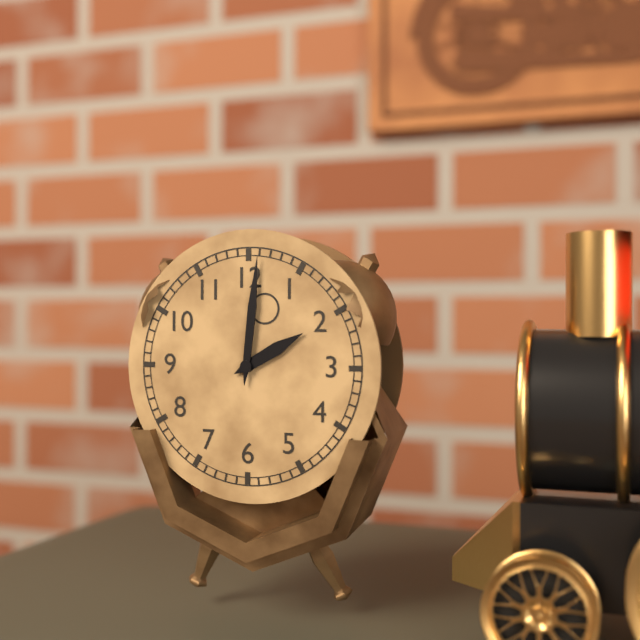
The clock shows 2 h 01 min
